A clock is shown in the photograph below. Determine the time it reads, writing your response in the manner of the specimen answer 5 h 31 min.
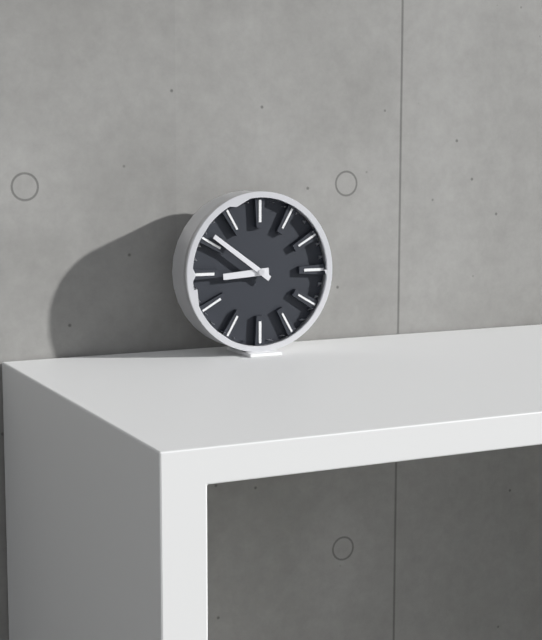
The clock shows 8 h 51 min
